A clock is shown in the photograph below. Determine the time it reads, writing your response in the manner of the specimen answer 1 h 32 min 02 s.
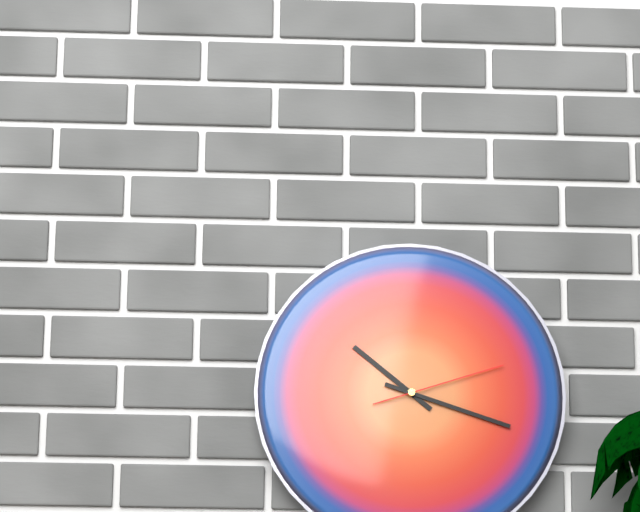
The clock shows 10 h 18 min 12 s
